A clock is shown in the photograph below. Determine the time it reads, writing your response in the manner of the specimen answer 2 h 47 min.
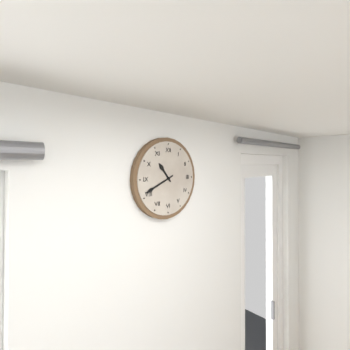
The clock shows 10 h 41 min
